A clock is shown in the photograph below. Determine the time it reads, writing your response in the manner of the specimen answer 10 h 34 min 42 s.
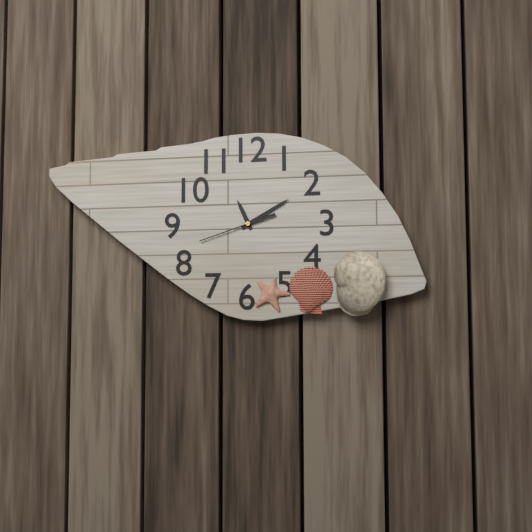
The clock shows 11 h 10 min 42 s
